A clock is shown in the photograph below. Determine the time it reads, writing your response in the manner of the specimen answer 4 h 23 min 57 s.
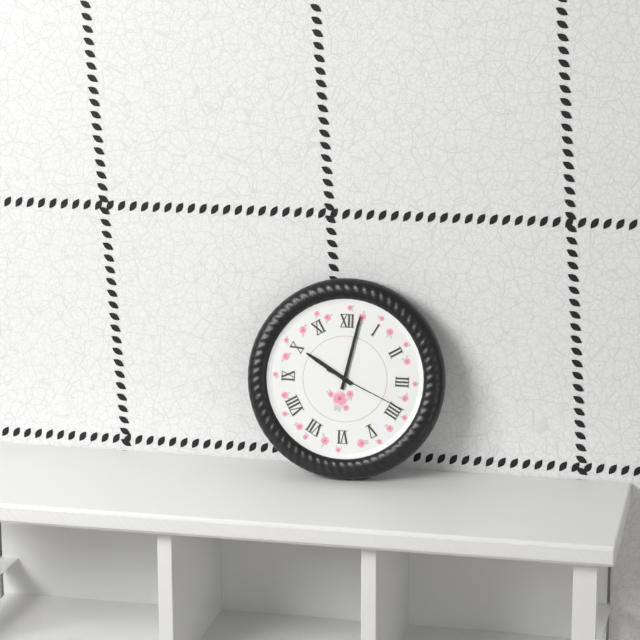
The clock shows 10 h 02 min 19 s
